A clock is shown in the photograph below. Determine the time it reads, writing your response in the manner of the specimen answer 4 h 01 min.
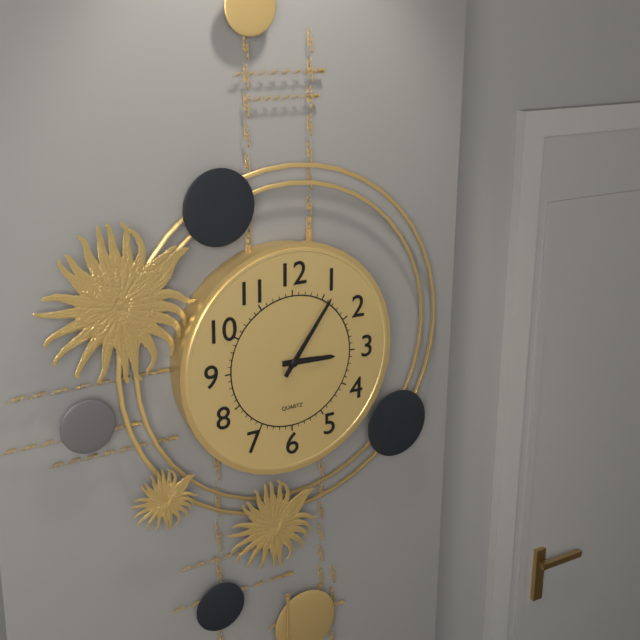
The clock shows 3 h 06 min
